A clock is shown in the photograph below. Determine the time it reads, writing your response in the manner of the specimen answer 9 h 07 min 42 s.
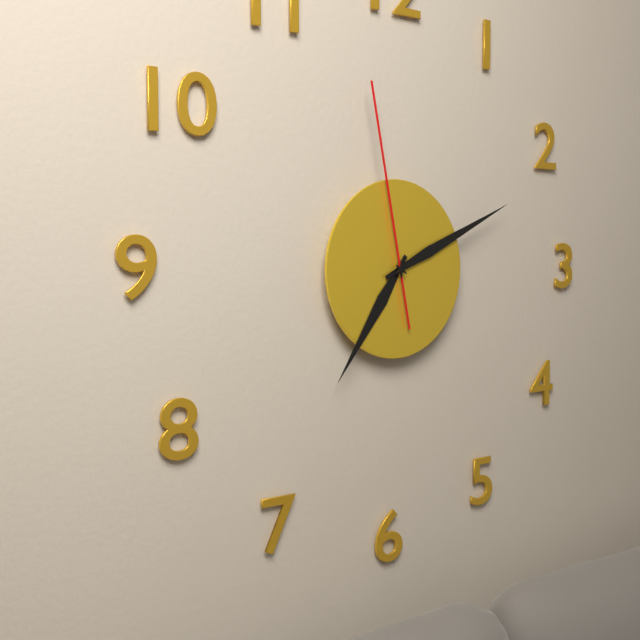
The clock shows 7 h 11 min 58 s
